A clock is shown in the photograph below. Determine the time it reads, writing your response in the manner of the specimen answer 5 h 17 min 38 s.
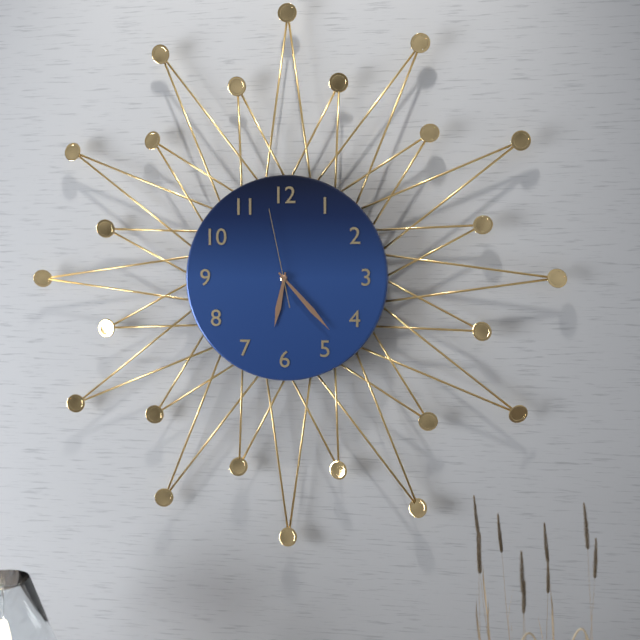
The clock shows 6 h 23 min 58 s
